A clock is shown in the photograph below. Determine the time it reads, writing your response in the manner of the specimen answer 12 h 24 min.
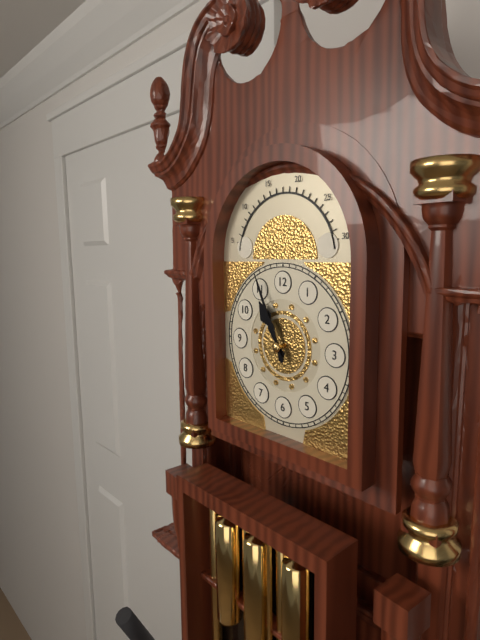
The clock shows 10 h 56 min
